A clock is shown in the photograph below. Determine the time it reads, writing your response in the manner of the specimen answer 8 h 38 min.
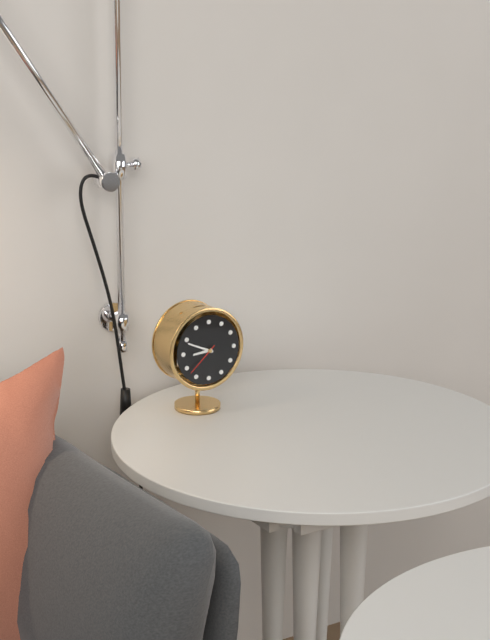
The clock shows 8 h 49 min
